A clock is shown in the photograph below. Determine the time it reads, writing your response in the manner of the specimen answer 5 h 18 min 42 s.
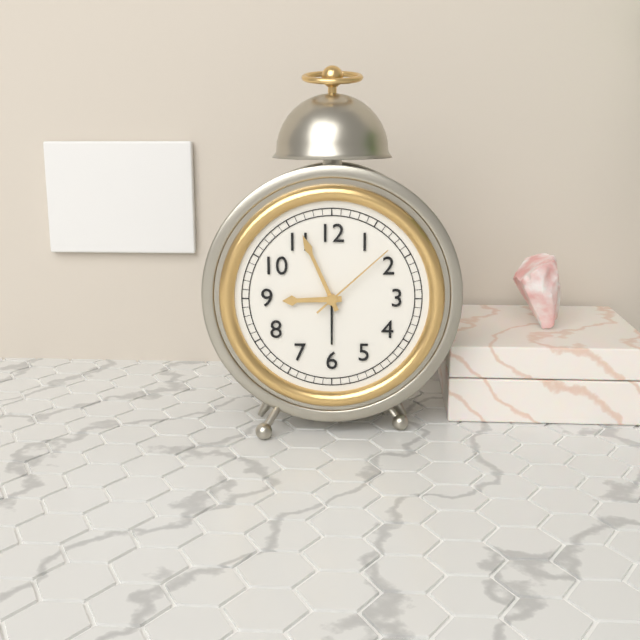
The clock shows 8 h 56 min 08 s
